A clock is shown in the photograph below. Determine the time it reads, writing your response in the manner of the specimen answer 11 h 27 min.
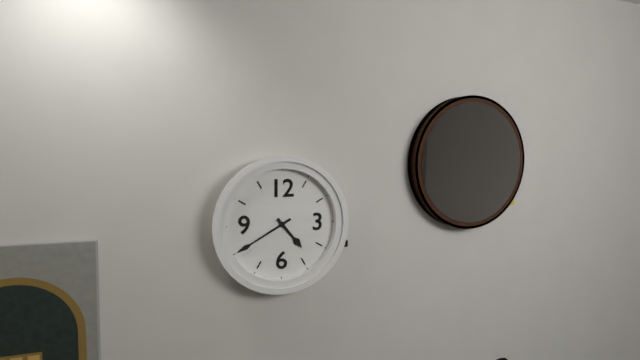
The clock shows 4 h 40 min
